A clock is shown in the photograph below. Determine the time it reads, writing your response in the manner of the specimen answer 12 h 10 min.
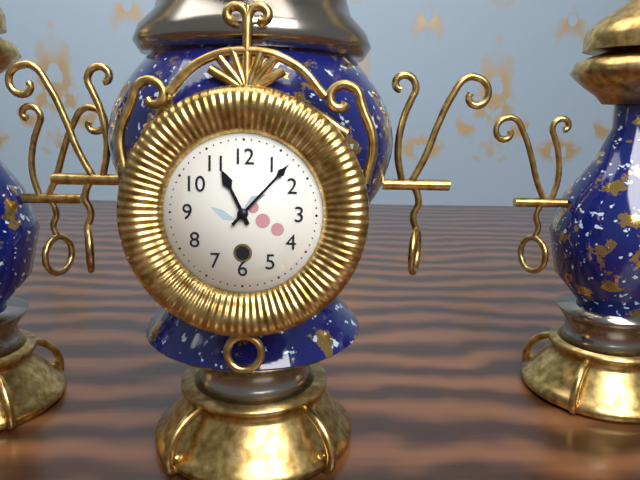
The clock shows 11 h 07 min
